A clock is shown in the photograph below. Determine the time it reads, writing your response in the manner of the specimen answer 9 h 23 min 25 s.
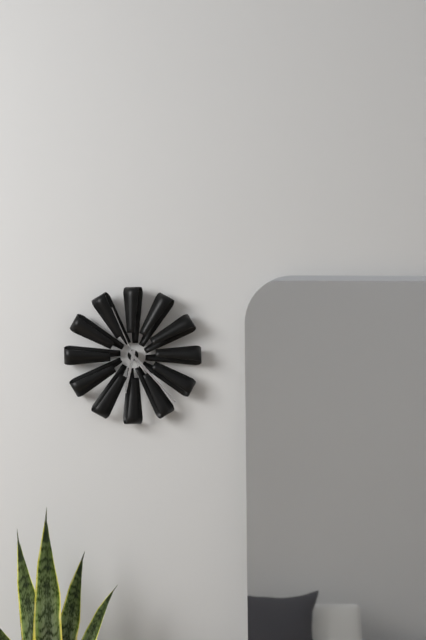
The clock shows 6 h 23 min 56 s
